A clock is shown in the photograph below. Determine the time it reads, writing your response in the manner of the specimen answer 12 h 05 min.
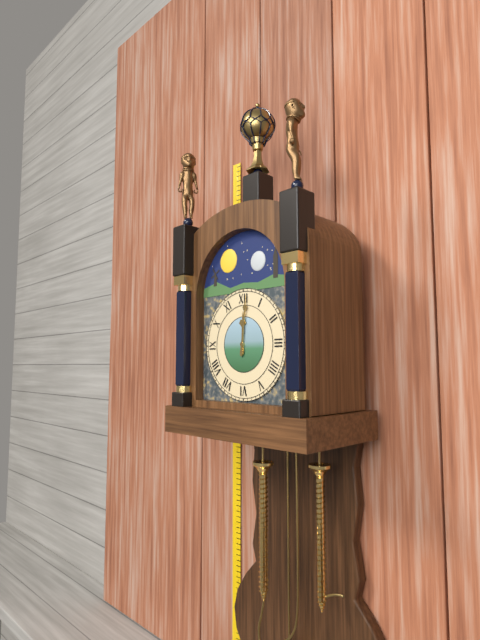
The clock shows 12 h 01 min
